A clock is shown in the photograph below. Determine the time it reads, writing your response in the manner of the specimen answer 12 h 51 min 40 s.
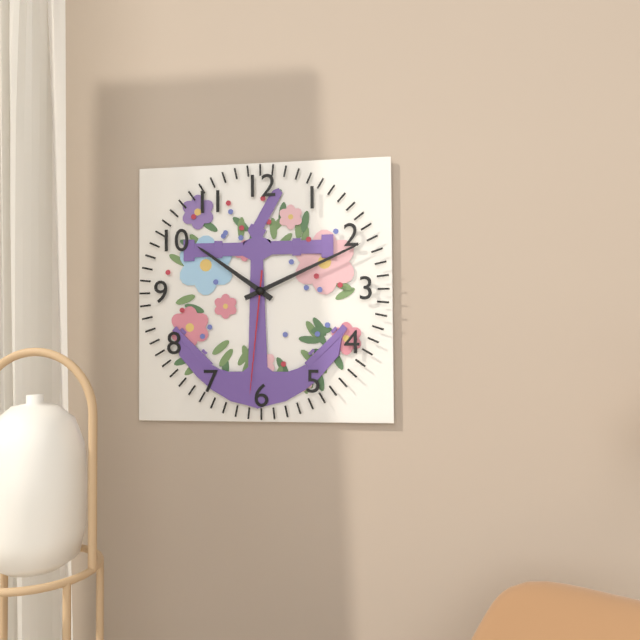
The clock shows 10 h 11 min 31 s
